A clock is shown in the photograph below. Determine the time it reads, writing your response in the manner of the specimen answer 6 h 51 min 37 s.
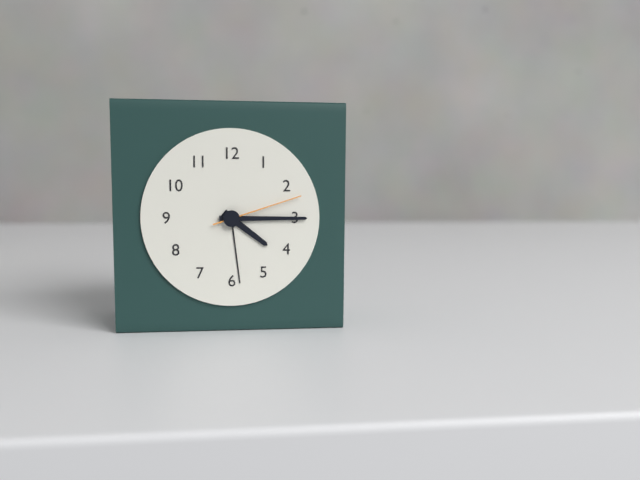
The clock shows 4 h 15 min 12 s
